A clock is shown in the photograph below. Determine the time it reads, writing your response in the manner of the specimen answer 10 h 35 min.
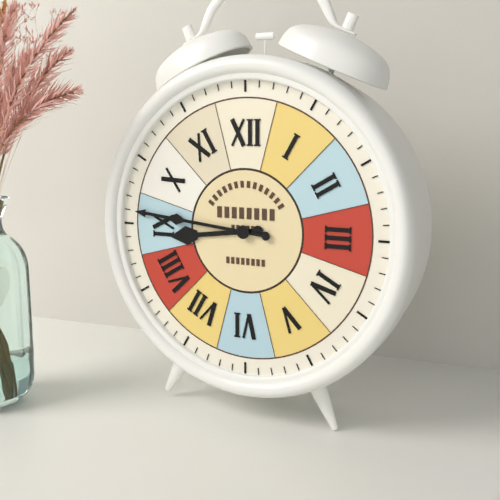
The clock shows 8 h 46 min
